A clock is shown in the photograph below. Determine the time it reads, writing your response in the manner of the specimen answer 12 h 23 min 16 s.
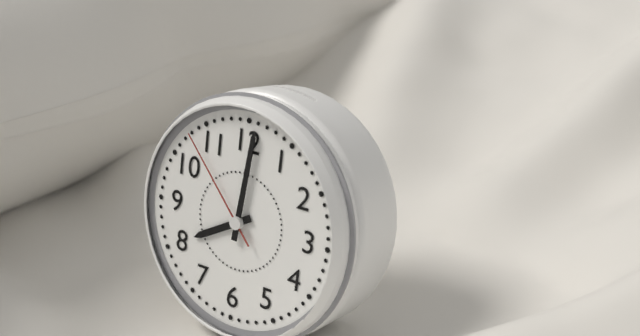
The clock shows 8 h 01 min 53 s
